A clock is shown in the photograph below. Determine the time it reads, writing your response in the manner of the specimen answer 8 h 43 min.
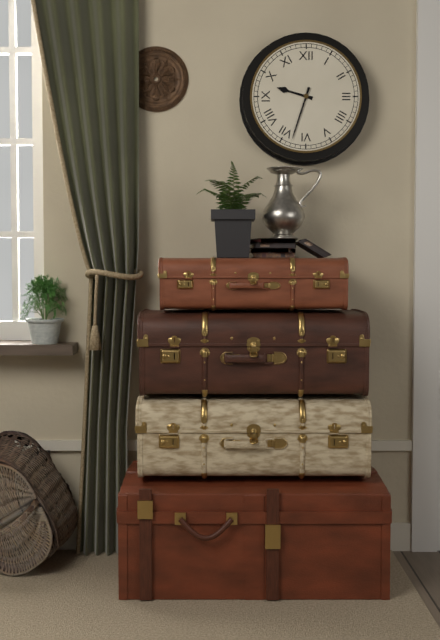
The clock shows 9 h 33 min
